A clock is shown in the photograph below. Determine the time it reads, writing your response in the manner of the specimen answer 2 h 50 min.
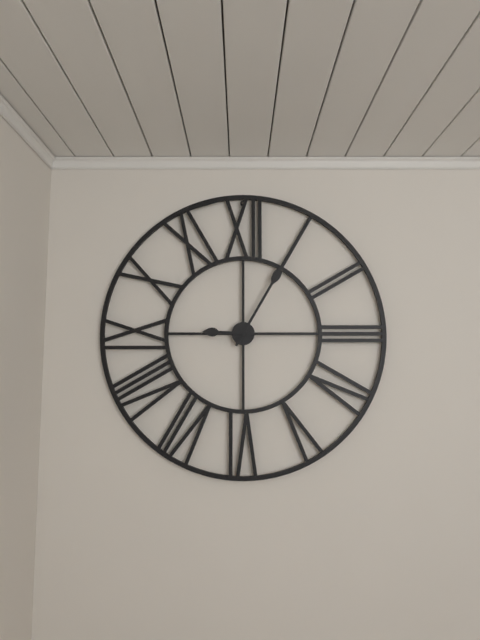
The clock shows 9 h 05 min
